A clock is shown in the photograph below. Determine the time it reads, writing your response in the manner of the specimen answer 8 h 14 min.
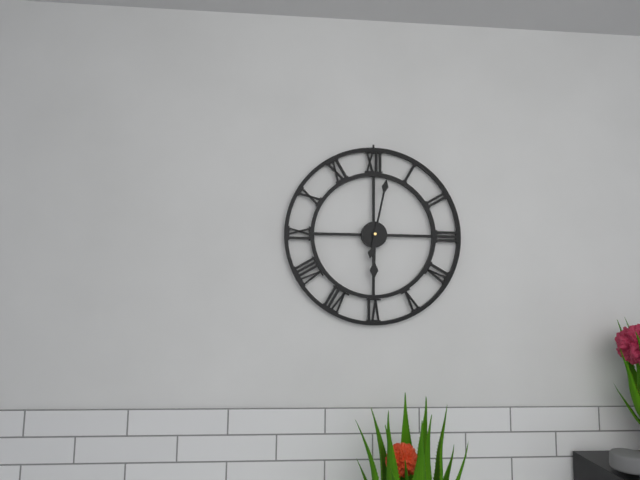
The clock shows 6 h 02 min
